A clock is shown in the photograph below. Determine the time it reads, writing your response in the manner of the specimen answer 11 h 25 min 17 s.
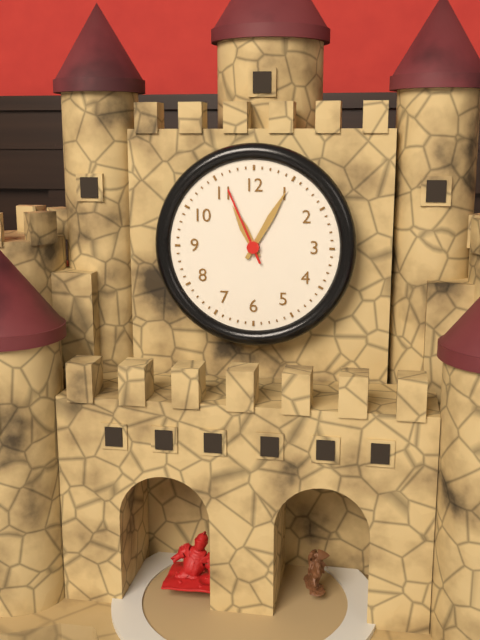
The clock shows 11 h 05 min 56 s
